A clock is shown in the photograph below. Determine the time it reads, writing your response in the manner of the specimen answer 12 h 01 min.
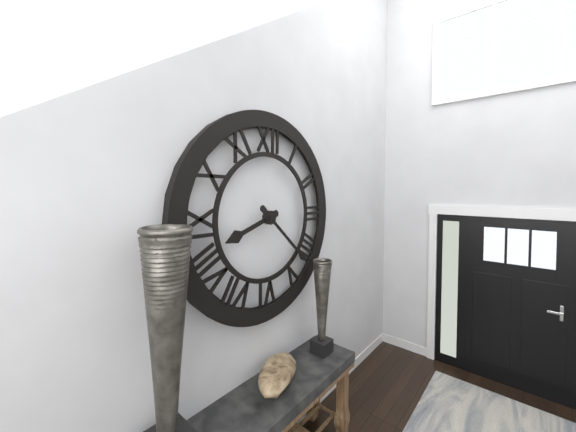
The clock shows 8 h 22 min
